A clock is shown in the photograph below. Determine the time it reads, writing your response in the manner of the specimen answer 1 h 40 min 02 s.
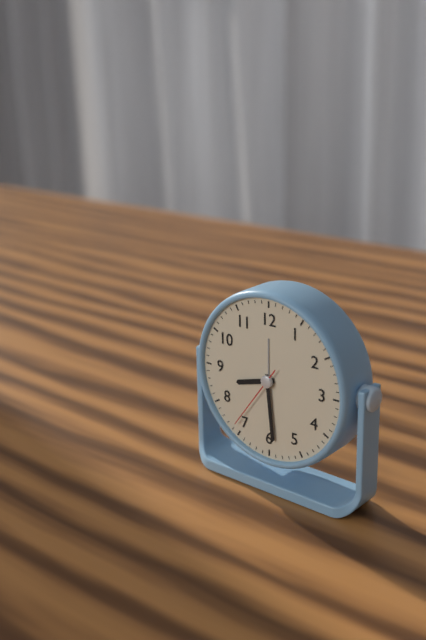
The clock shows 8 h 29 min 36 s
